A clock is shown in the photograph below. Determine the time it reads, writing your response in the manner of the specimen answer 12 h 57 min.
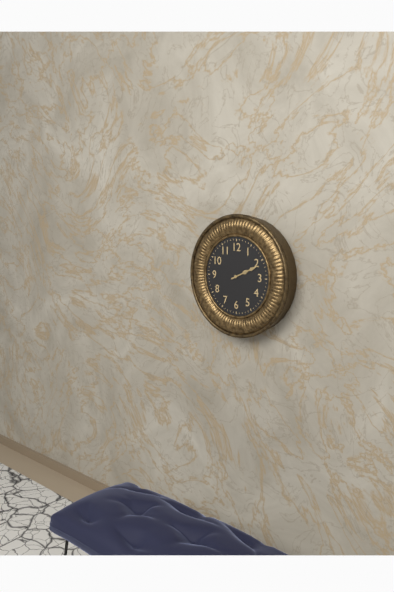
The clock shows 2 h 11 min
